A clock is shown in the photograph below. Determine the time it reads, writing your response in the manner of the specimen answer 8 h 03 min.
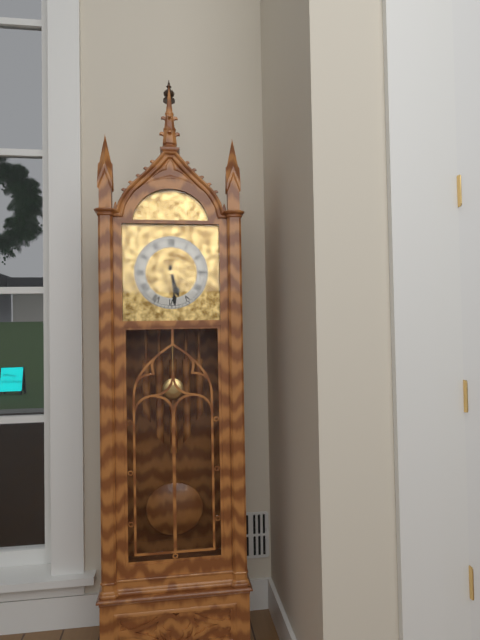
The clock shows 5 h 29 min
